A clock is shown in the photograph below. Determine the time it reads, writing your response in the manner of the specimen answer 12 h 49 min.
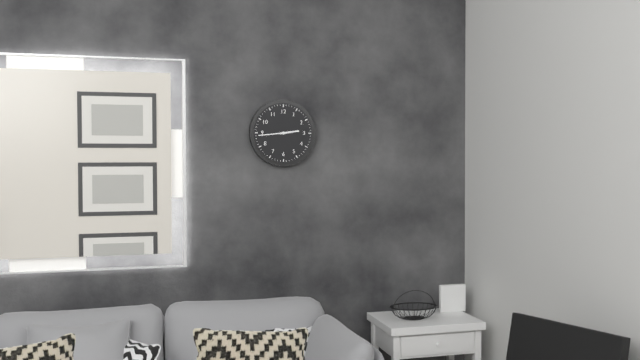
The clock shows 2 h 44 min
